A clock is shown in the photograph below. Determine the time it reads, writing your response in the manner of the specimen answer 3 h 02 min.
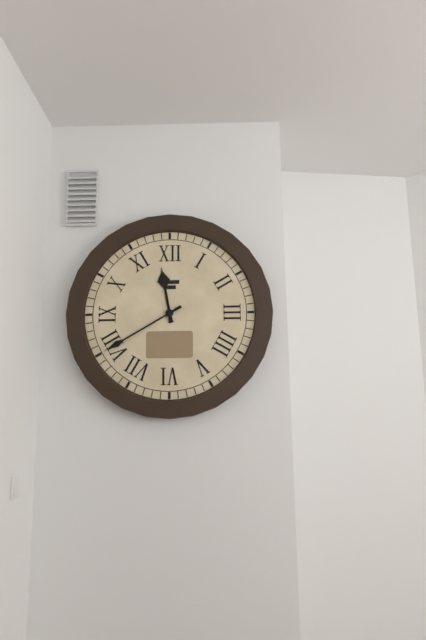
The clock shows 11 h 40 min
